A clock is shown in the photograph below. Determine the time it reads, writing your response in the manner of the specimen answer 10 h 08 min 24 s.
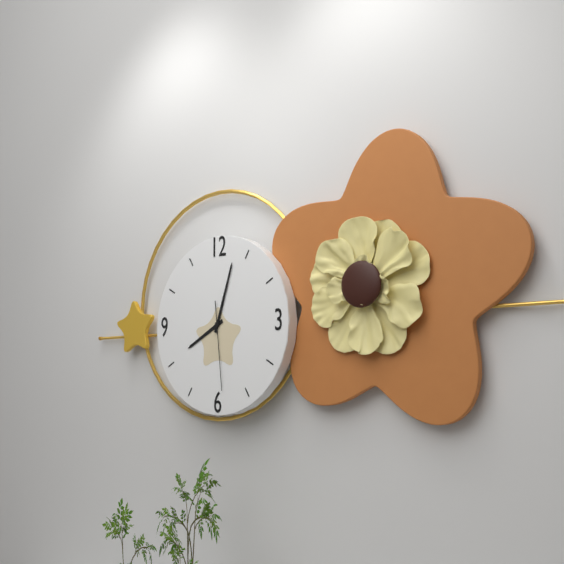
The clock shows 8 h 03 min 29 s
